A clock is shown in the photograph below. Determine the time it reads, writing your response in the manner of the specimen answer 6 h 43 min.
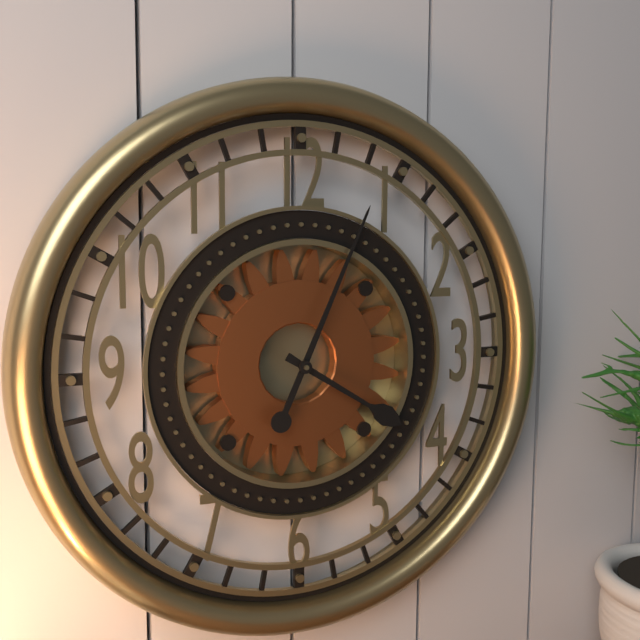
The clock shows 4 h 04 min
